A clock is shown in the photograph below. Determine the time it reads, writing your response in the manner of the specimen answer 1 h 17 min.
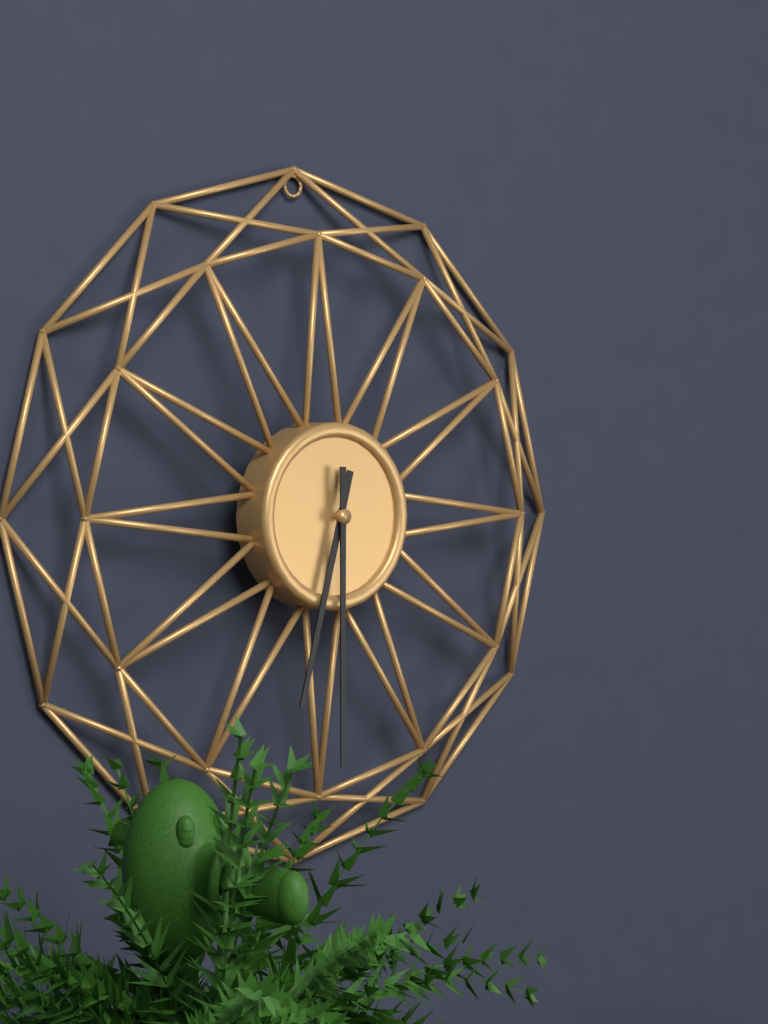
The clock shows 6 h 30 min
